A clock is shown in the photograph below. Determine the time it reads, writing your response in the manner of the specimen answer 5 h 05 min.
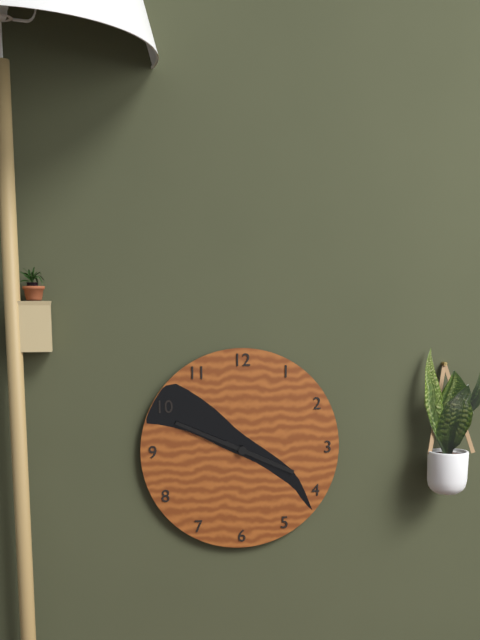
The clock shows 3 h 49 min
